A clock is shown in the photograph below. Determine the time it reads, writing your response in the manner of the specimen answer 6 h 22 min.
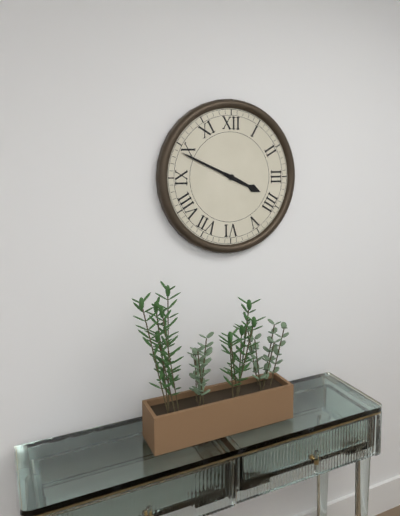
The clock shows 3 h 49 min
